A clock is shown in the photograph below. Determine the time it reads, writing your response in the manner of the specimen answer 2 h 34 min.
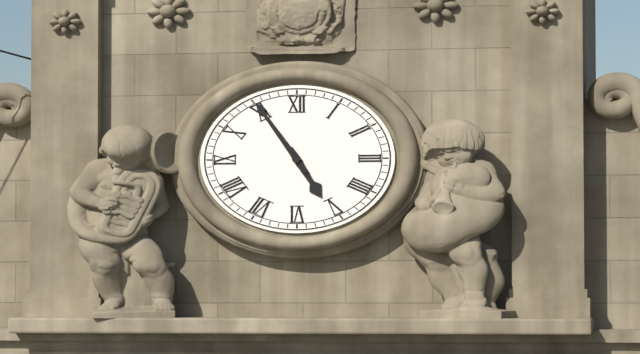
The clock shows 4 h 54 min
